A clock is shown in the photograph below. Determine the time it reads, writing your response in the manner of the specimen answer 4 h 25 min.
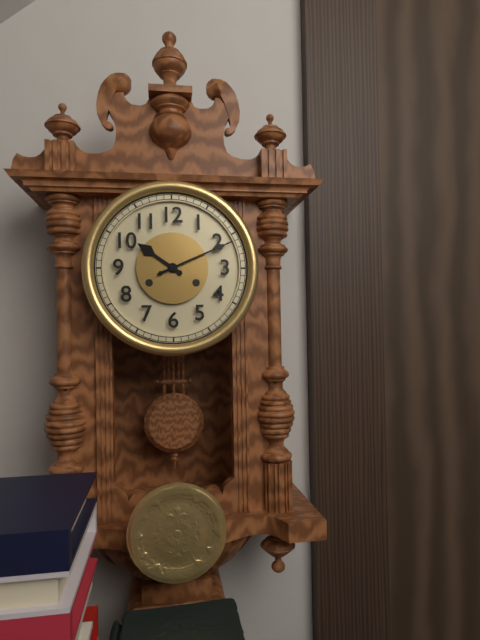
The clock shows 10 h 11 min
